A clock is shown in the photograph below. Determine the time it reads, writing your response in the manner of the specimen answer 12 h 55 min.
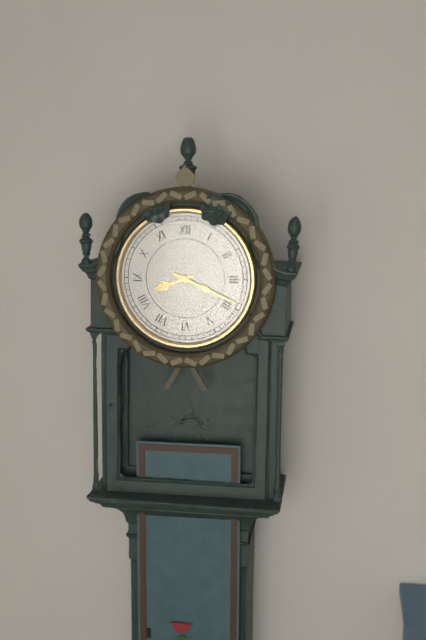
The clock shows 8 h 19 min
